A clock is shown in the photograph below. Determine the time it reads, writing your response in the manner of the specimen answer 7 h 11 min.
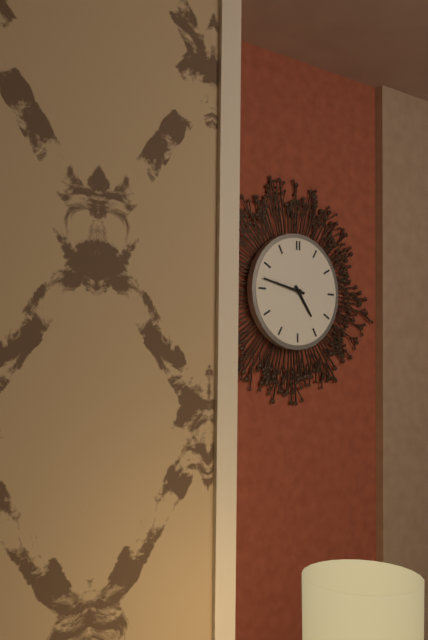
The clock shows 4 h 47 min
